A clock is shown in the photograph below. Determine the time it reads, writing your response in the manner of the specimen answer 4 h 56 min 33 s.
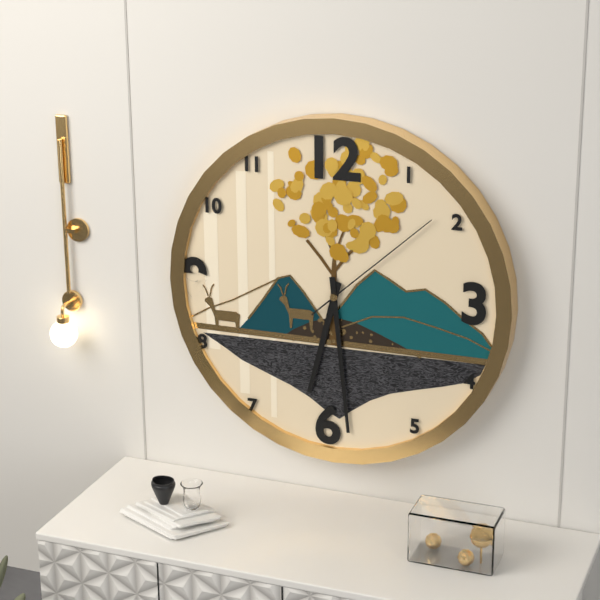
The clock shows 6 h 29 min 08 s
